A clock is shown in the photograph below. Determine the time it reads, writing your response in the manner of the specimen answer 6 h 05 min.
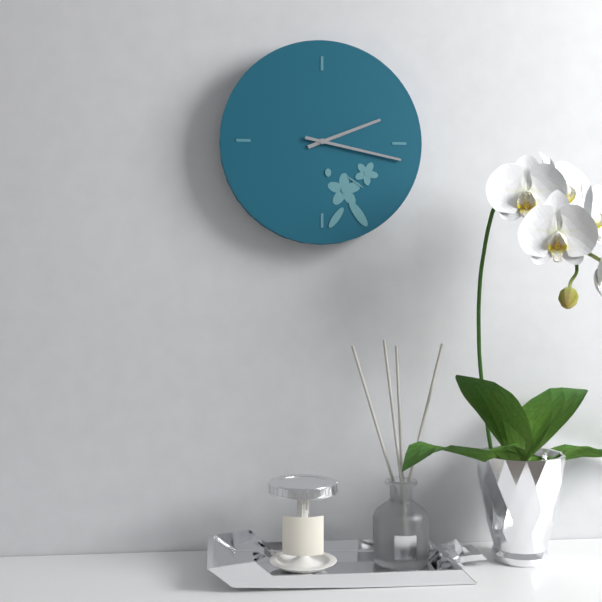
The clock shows 2 h 17 min
